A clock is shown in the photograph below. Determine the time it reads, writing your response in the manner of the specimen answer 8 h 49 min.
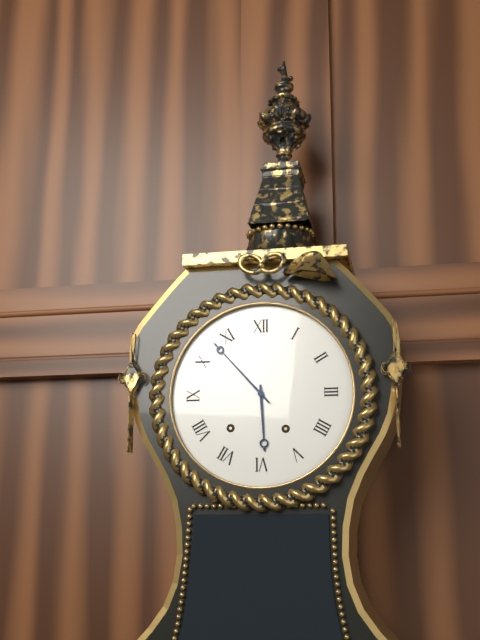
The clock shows 5 h 53 min
